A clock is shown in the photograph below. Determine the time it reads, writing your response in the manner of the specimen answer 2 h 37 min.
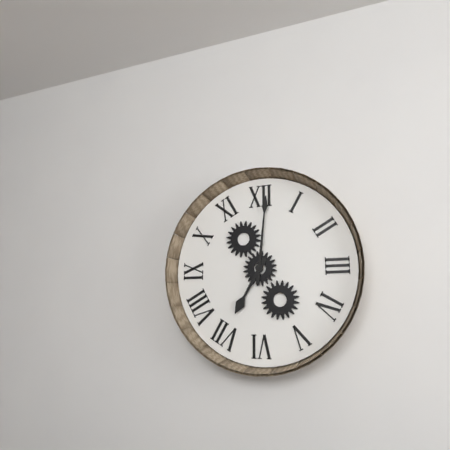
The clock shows 7 h 01 min
